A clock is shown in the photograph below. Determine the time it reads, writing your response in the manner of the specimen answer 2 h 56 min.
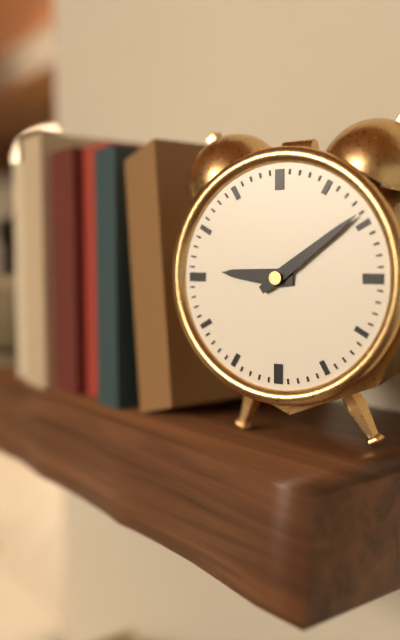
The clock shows 9 h 09 min
